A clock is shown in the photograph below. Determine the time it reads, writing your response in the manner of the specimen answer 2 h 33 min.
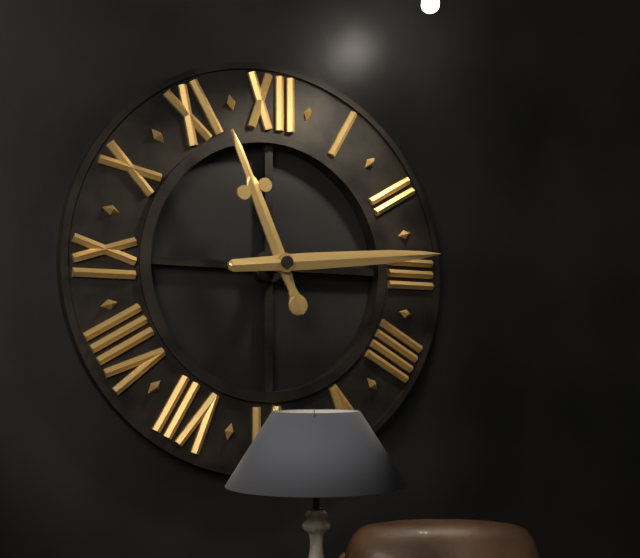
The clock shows 11 h 14 min
